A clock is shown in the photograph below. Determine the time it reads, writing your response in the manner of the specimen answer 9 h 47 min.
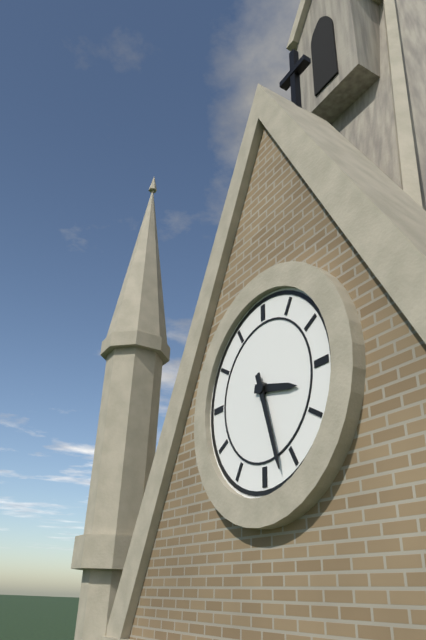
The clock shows 3 h 27 min
